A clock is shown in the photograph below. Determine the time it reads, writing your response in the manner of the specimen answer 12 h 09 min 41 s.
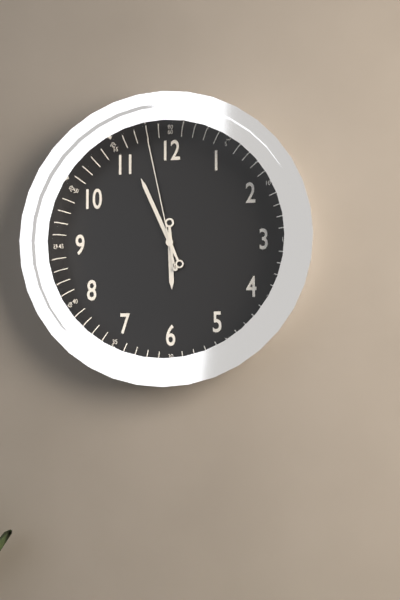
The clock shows 5 h 56 min 58 s
